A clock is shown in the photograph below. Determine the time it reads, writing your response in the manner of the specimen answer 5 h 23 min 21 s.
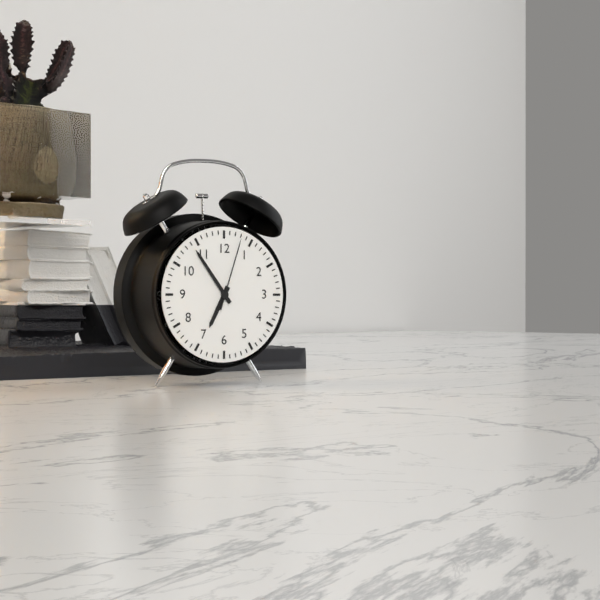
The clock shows 6 h 54 min 03 s
